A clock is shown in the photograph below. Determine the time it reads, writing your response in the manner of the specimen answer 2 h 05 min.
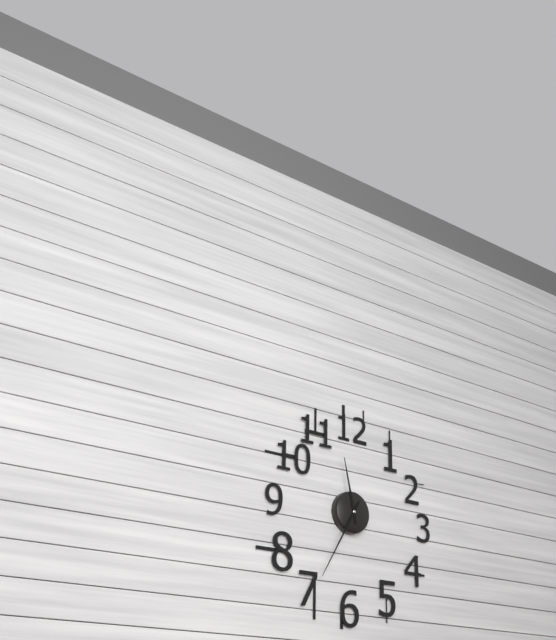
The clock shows 11 h 35 min
